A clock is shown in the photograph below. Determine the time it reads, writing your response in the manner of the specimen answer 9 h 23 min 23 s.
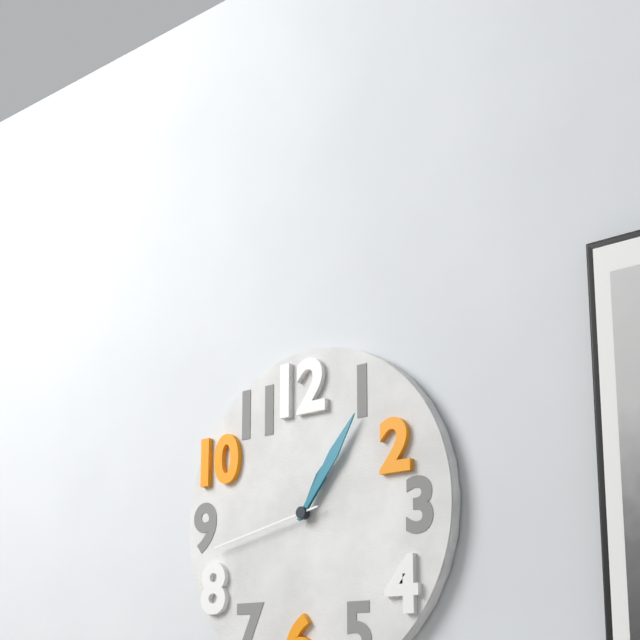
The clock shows 1 h 06 min 43 s
